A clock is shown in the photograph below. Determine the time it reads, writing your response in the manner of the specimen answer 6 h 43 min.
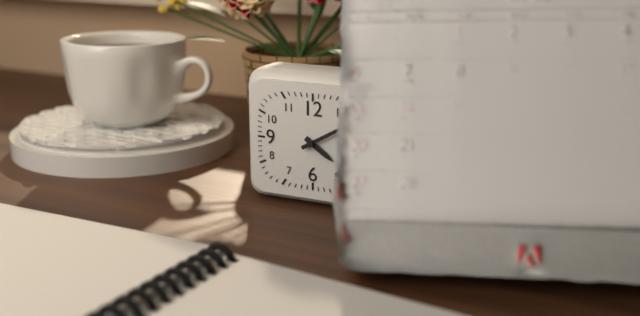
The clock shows 4 h 10 min
